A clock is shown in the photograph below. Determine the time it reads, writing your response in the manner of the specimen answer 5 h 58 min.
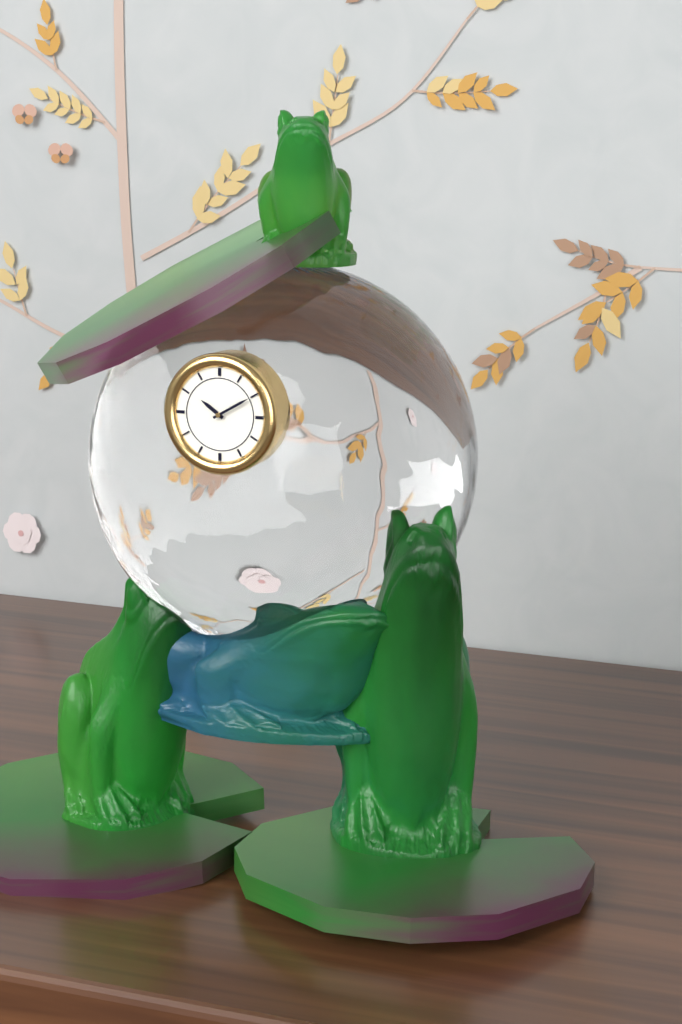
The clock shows 10 h 10 min
